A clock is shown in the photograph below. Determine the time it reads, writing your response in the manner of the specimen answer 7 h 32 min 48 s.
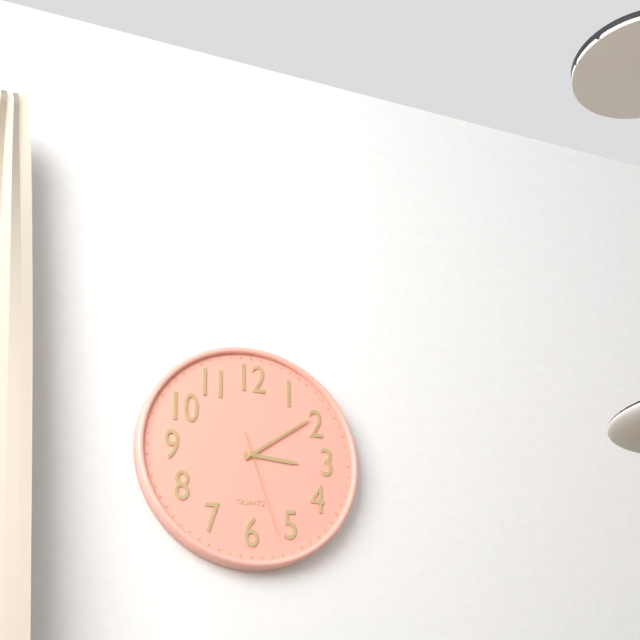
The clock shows 3 h 09 min 27 s
